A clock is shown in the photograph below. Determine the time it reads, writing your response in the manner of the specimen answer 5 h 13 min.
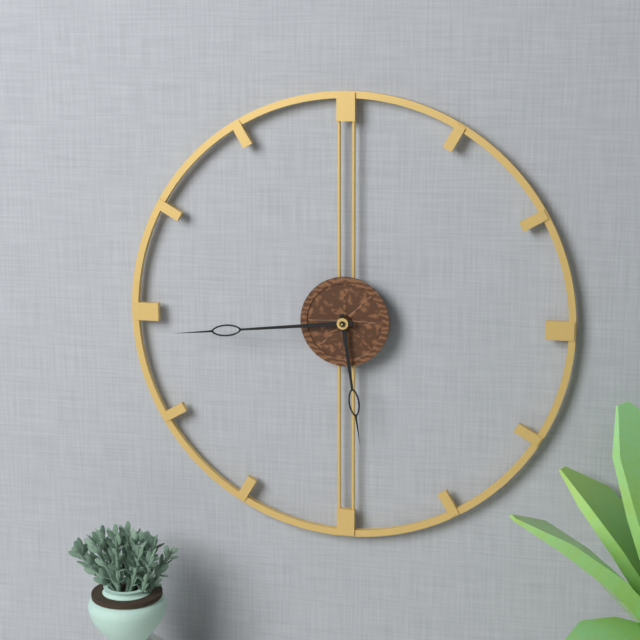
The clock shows 5 h 44 min
